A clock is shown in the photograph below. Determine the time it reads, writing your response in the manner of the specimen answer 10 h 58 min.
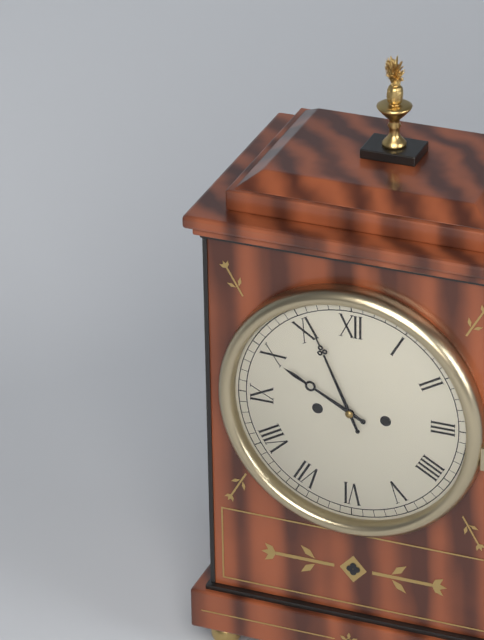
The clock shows 9 h 56 min
